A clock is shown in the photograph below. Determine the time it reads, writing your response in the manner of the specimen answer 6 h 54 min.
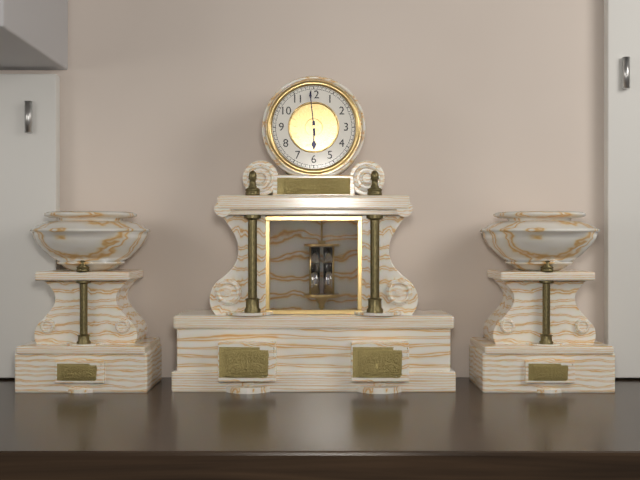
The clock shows 5 h 59 min
